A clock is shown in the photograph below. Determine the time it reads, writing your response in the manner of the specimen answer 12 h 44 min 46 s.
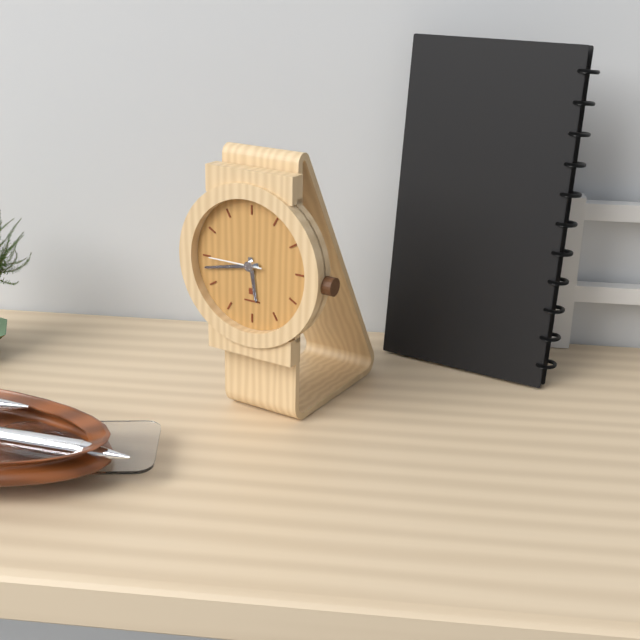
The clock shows 5 h 43 min 45 s
